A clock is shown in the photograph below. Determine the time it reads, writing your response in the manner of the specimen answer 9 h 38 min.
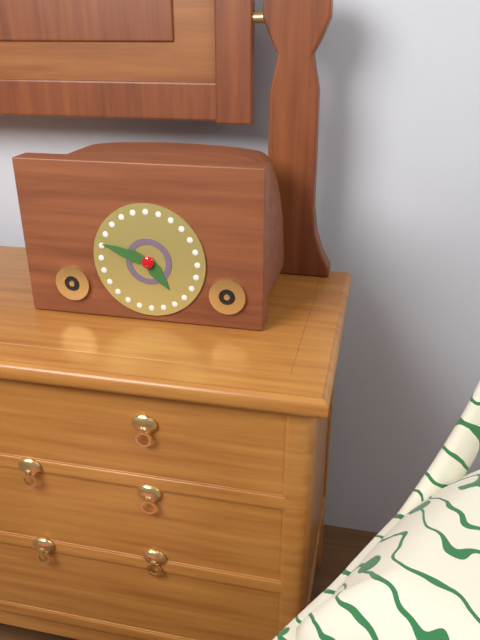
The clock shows 4 h 48 min
